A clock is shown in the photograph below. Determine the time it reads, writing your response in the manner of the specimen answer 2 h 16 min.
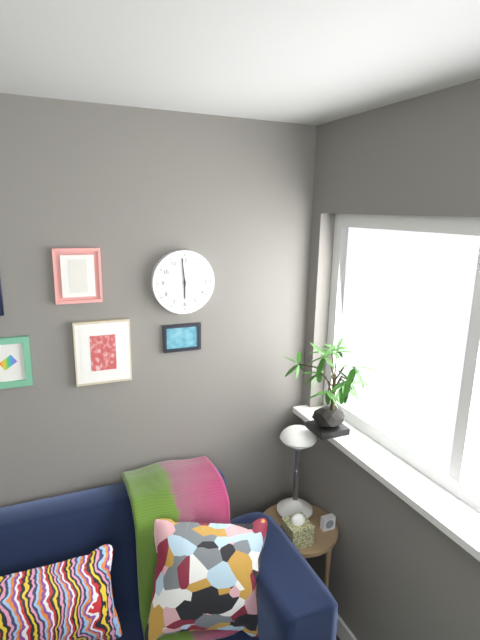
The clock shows 5 h 59 min
